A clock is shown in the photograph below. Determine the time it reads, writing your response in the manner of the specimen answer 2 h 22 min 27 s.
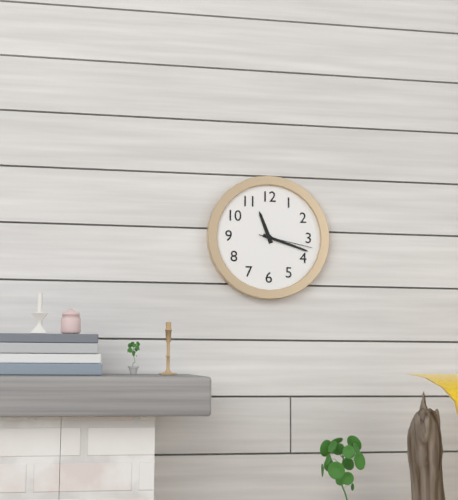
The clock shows 11 h 18 min 17 s
